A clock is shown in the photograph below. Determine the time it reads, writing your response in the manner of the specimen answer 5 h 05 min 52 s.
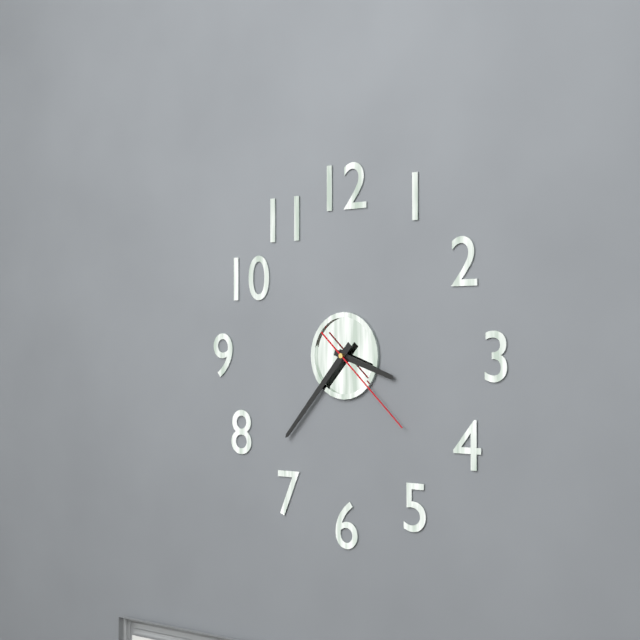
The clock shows 3 h 37 min 22 s
